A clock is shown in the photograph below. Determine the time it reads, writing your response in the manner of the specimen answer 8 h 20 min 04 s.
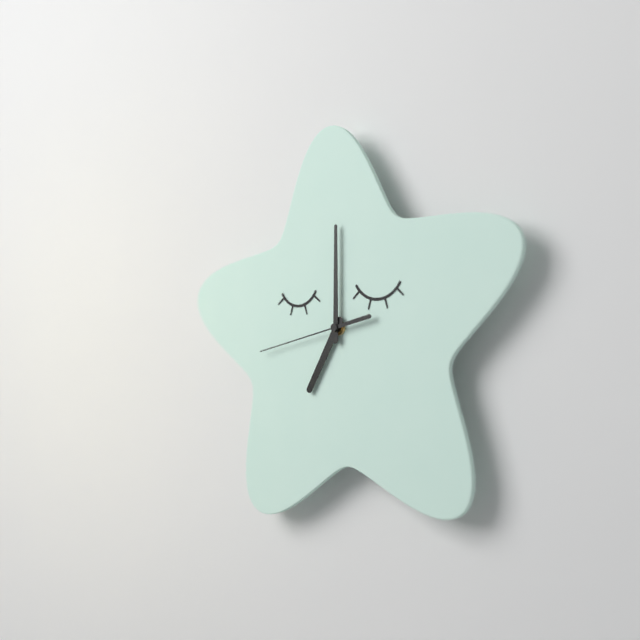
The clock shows 7 h 00 min 43 s
